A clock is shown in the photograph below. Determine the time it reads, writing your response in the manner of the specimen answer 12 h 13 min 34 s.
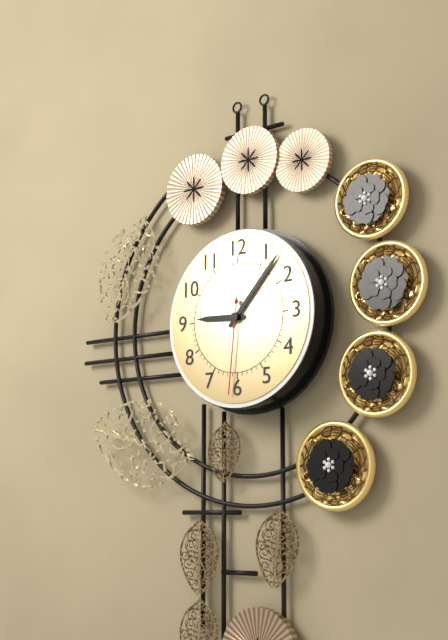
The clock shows 9 h 07 min 31 s
